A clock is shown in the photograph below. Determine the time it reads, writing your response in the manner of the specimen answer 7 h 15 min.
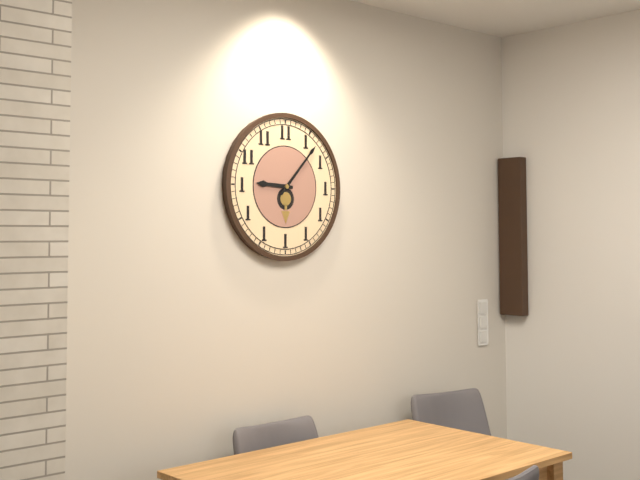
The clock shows 9 h 07 min
